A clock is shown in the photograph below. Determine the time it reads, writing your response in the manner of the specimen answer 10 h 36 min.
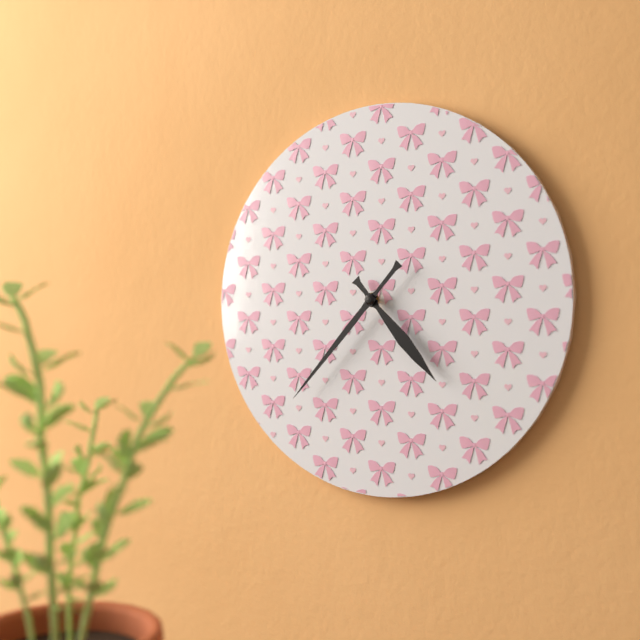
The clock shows 4 h 37 min
